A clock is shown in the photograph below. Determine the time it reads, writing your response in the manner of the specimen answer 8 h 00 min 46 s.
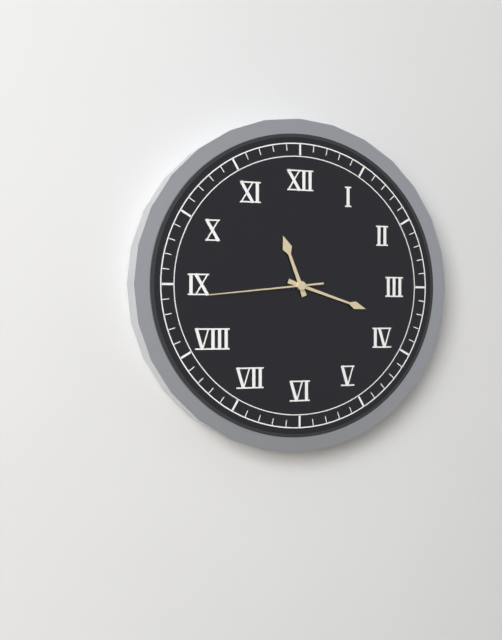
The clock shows 11 h 18 min 44 s
